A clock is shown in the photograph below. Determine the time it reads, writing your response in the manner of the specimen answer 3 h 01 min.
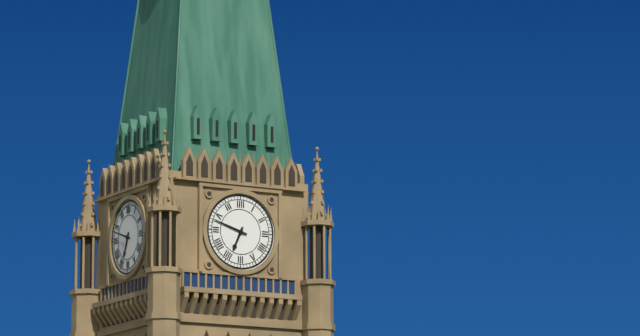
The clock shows 6 h 48 min
